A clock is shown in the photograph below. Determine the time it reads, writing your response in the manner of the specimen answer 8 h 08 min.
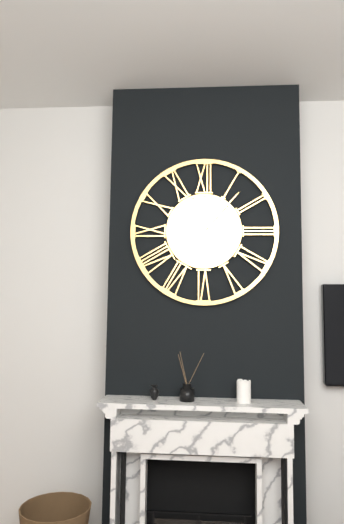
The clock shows 12 h 07 min
